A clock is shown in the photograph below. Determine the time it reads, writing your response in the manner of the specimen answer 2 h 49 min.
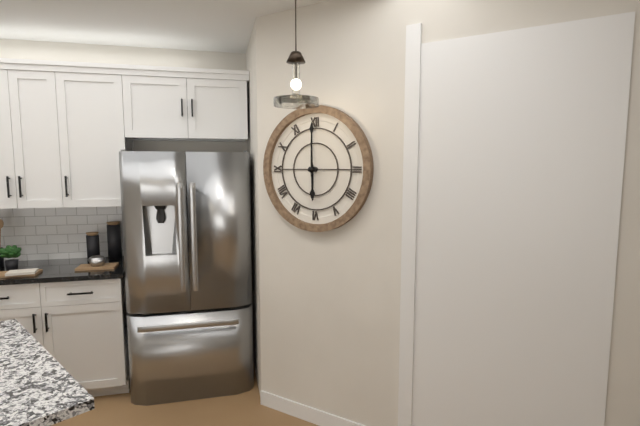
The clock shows 6 h 00 min
